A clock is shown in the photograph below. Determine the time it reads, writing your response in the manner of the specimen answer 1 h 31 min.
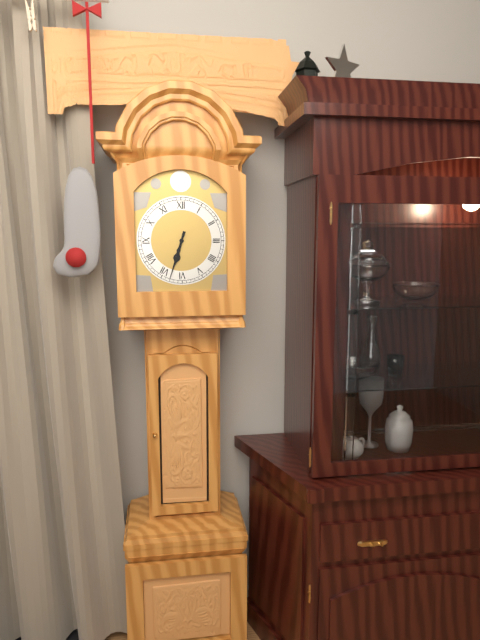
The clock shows 6 h 33 min
